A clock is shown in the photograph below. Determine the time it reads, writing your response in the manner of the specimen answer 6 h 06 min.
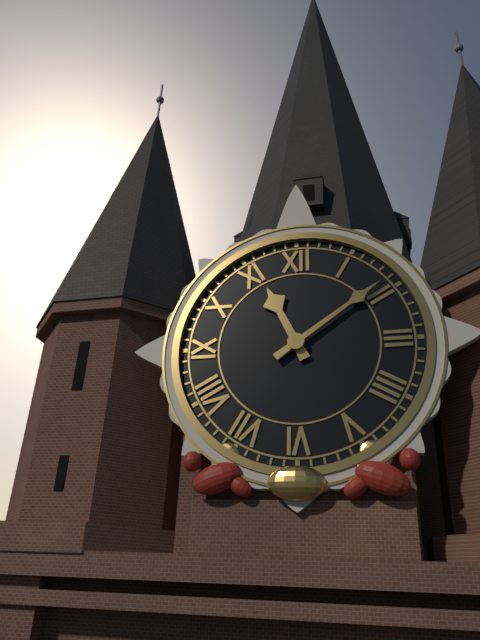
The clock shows 11 h 09 min
